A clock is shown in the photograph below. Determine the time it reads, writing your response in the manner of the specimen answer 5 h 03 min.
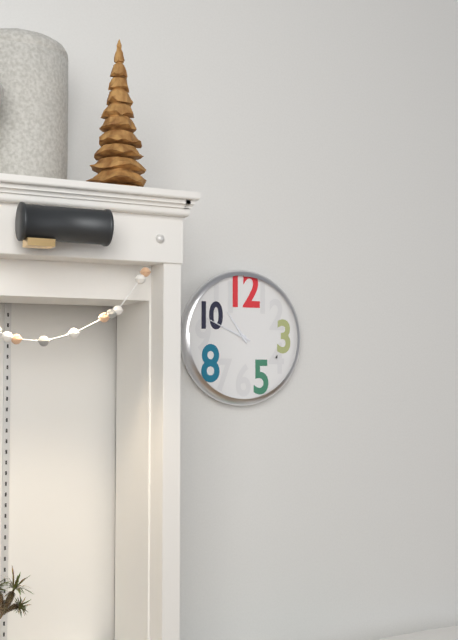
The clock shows 10 h 49 min
